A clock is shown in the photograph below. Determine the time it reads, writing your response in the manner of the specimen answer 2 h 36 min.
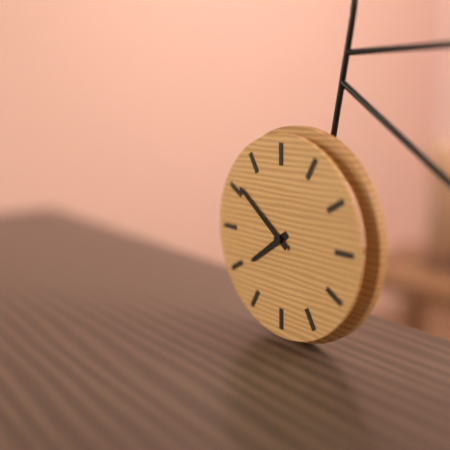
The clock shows 7 h 51 min
